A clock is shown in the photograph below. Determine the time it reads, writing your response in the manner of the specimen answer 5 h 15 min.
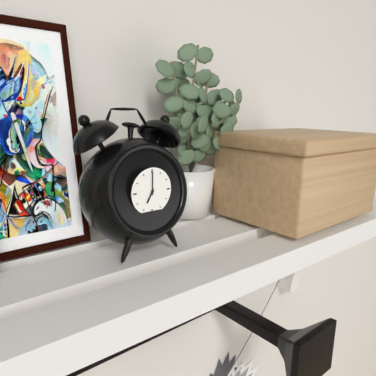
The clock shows 7 h 00 min
